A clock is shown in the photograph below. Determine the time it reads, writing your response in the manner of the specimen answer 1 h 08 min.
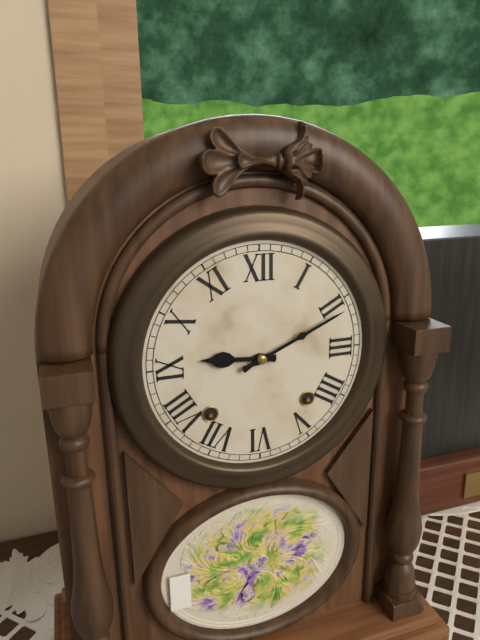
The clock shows 9 h 11 min
